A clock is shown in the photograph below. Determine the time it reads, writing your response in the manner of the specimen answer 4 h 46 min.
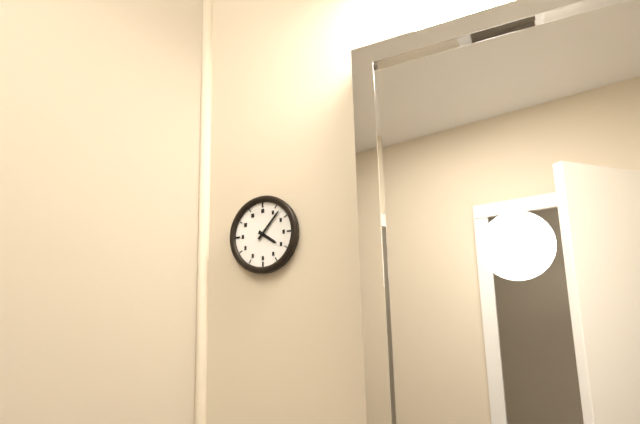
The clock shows 4 h 07 min
